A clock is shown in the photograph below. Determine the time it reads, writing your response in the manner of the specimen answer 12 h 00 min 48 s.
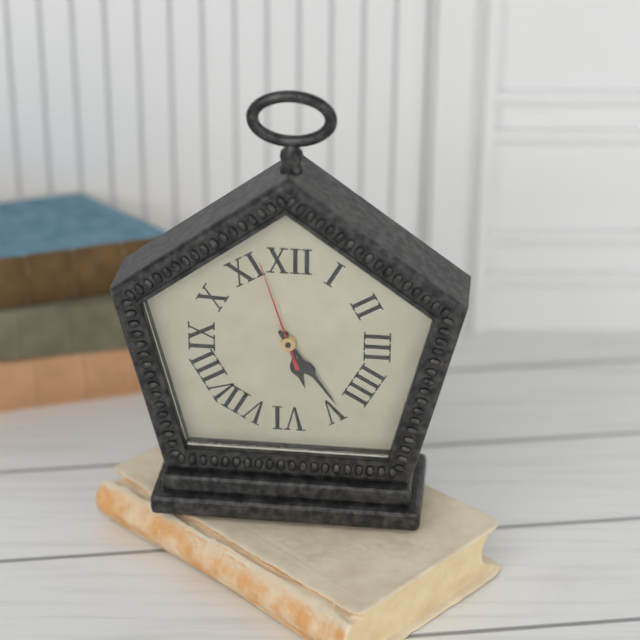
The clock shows 5 h 24 min 57 s
